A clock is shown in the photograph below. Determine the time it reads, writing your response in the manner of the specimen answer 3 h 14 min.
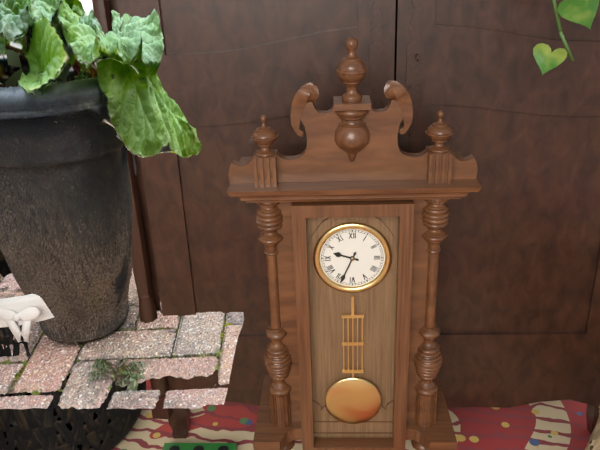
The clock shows 9 h 34 min
